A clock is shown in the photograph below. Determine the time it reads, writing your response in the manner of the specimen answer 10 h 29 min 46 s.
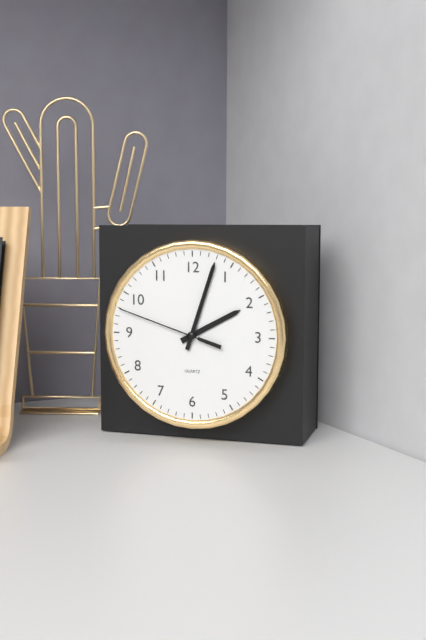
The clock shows 2 h 03 min 48 s
